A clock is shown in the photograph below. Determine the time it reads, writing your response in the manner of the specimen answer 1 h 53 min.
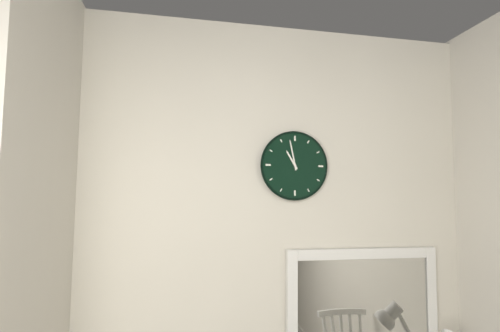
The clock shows 10 h 58 min
